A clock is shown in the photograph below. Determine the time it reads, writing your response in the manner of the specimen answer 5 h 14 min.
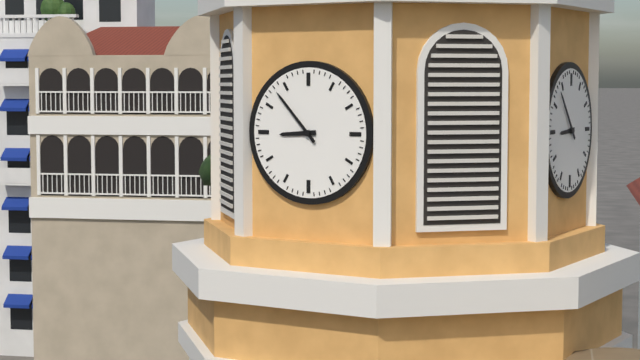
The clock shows 8 h 53 min
